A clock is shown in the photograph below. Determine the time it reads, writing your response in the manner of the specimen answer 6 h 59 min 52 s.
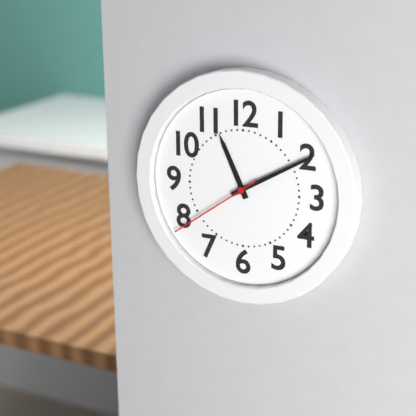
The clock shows 11 h 10 min 39 s
